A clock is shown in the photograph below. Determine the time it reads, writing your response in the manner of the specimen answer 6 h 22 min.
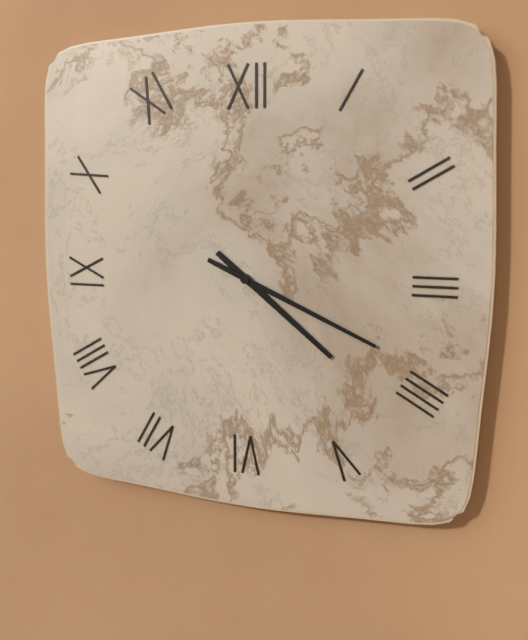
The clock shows 4 h 19 min
